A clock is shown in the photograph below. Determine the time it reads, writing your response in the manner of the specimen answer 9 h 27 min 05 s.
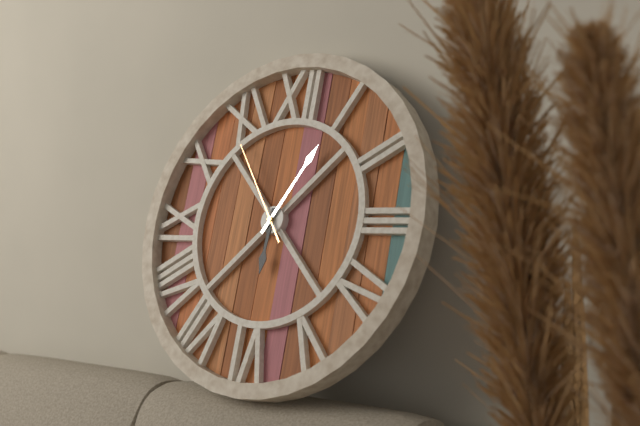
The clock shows 6 h 05 min 54 s
